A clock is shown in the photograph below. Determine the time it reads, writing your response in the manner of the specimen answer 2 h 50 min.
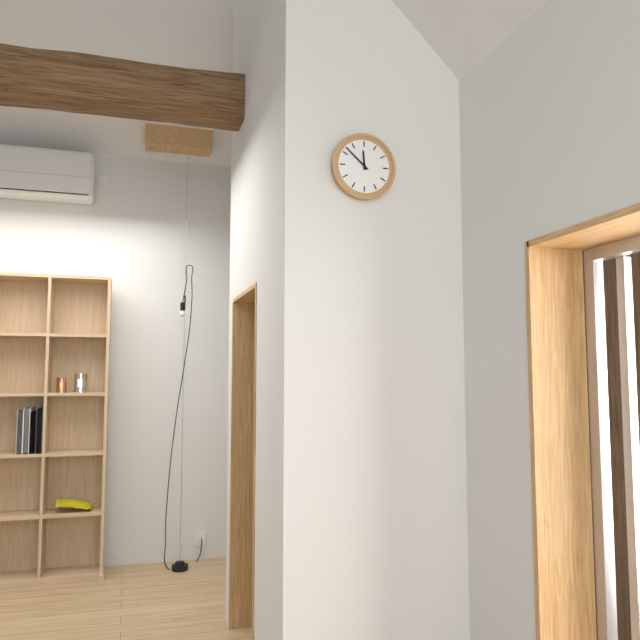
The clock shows 11 h 52 min
